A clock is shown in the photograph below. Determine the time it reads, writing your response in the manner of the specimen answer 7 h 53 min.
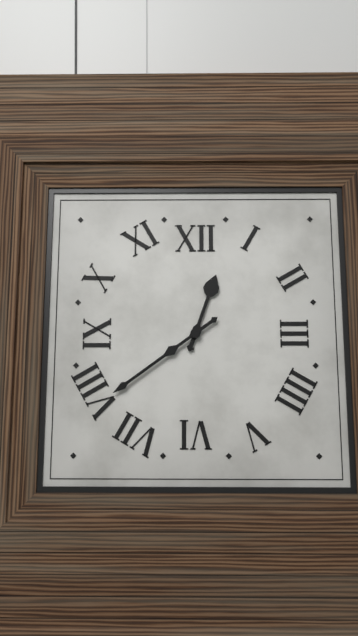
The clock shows 12 h 39 min
